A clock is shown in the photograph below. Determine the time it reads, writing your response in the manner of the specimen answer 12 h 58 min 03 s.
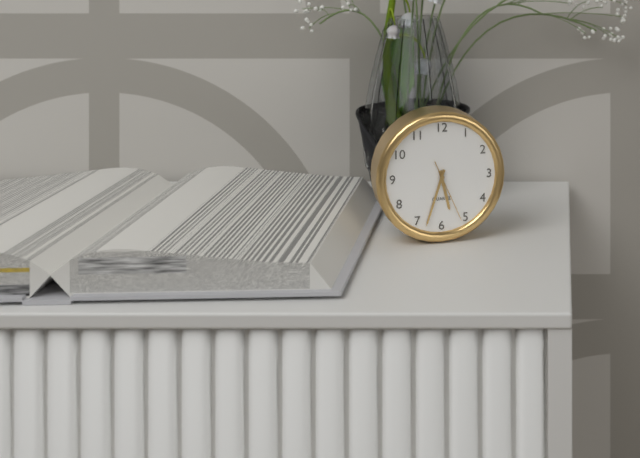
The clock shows 5 h 33 min 26 s
